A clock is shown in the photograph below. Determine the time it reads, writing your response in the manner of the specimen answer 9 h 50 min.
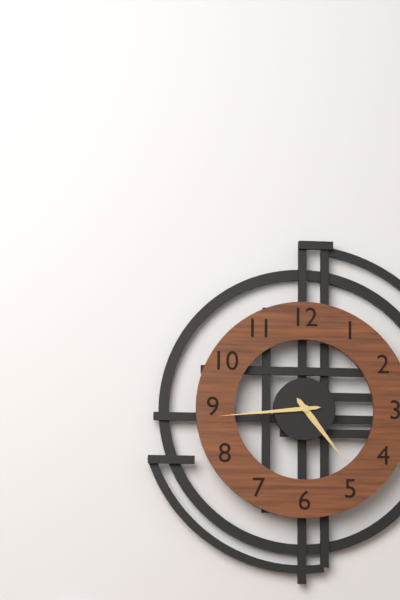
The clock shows 4 h 44 min
